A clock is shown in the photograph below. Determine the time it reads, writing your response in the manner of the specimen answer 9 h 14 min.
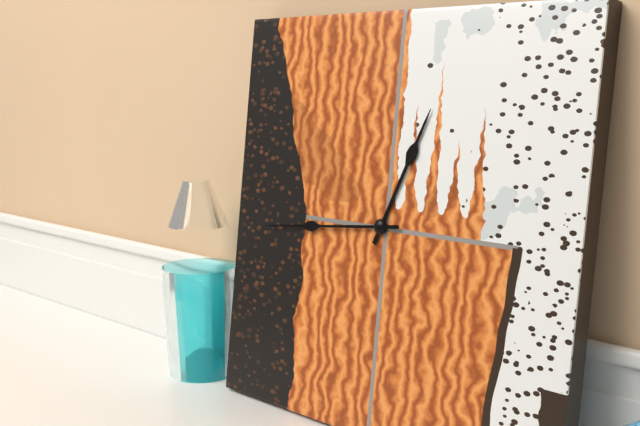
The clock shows 12 h 44 min
